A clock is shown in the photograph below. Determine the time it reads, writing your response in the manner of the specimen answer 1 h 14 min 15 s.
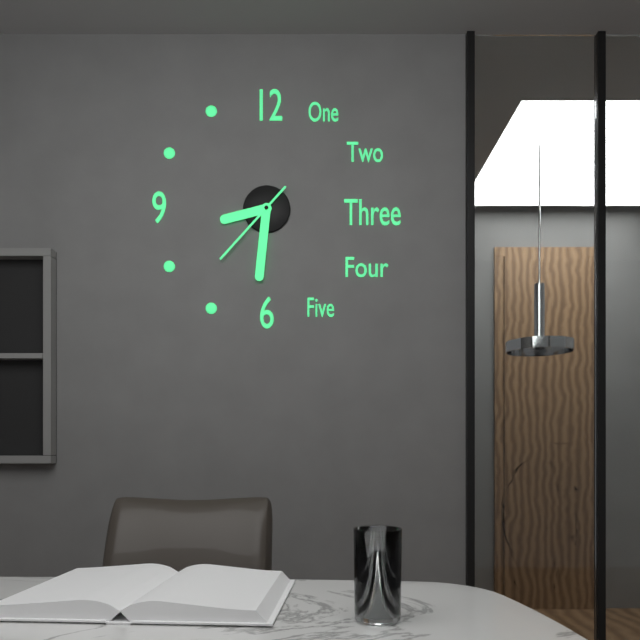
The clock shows 8 h 31 min 37 s
